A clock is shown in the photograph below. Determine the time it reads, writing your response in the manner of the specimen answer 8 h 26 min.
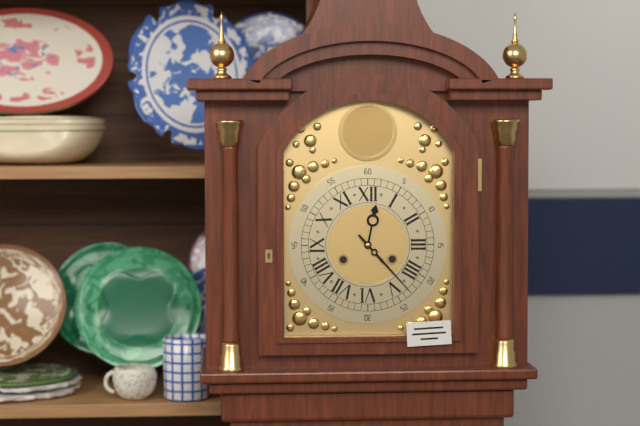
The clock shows 12 h 23 min
